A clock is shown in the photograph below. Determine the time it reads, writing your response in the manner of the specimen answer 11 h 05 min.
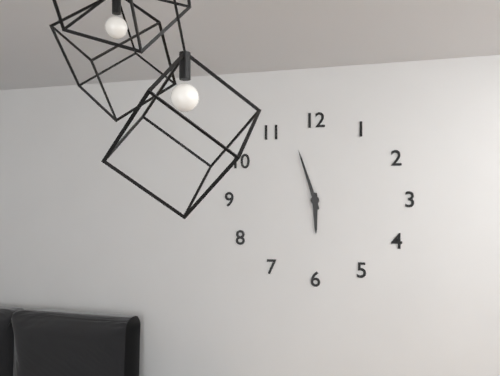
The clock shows 5 h 57 min
